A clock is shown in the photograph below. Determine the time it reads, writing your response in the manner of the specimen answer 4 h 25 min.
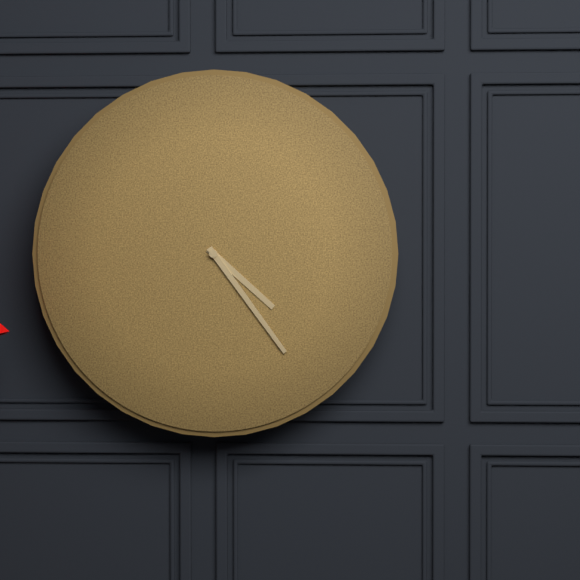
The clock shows 4 h 24 min
